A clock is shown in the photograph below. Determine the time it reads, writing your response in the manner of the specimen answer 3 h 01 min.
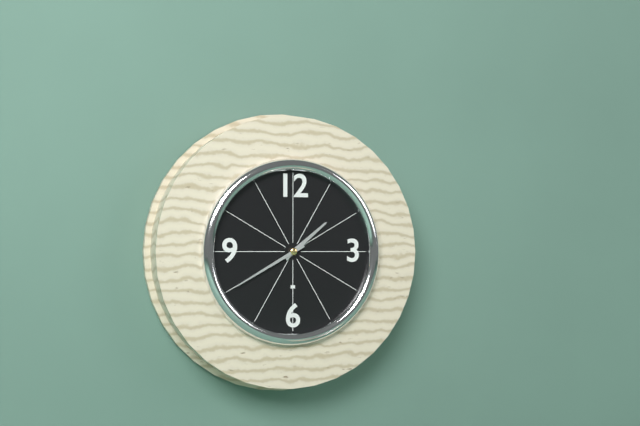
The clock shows 1 h 40 min
